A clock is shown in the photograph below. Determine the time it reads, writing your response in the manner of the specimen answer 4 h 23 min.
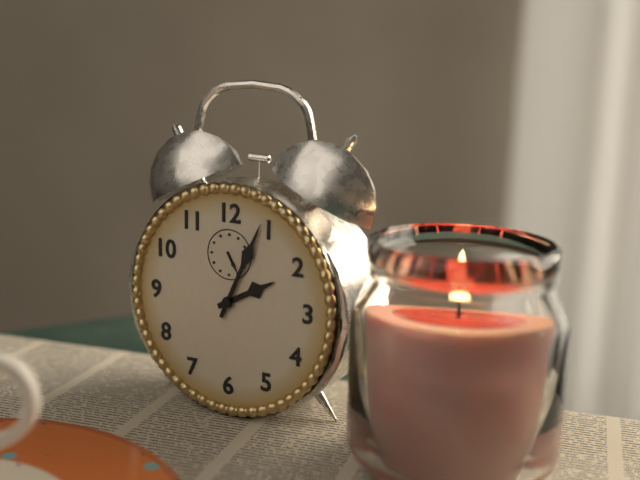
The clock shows 2 h 04 min
